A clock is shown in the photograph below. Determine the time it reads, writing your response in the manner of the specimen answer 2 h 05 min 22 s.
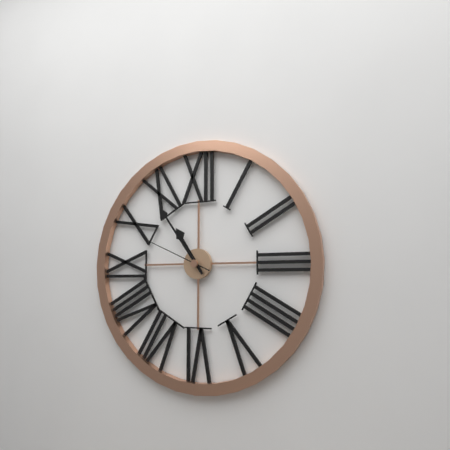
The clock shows 10 h 54 min 49 s
